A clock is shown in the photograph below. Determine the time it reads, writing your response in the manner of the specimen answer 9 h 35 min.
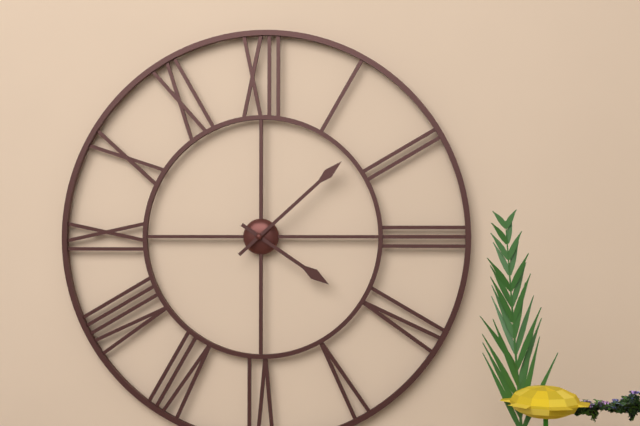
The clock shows 4 h 08 min
